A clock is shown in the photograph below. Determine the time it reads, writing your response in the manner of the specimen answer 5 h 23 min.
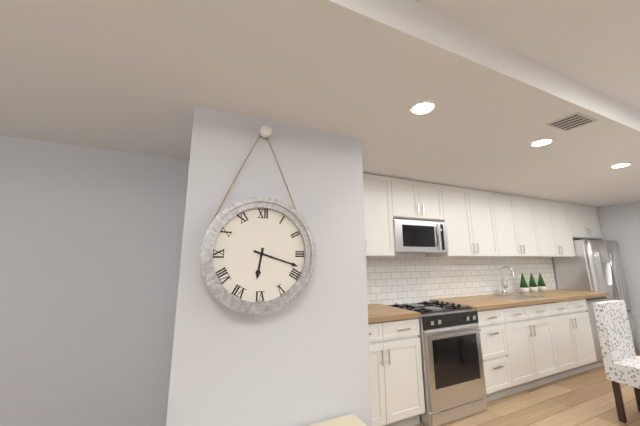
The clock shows 6 h 18 min
